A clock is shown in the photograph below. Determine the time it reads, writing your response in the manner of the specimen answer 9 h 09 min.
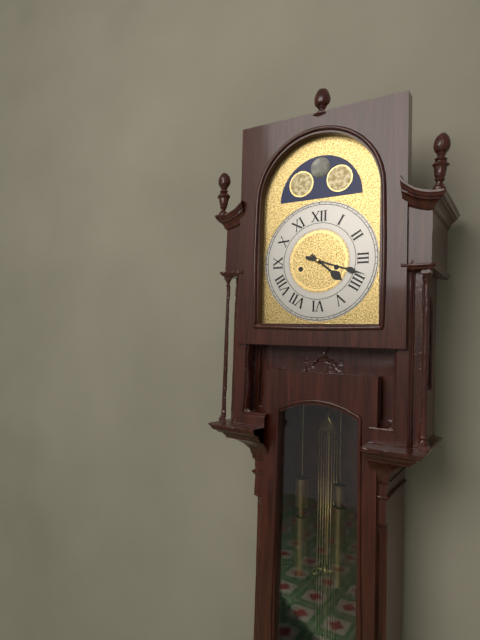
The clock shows 4 h 18 min
